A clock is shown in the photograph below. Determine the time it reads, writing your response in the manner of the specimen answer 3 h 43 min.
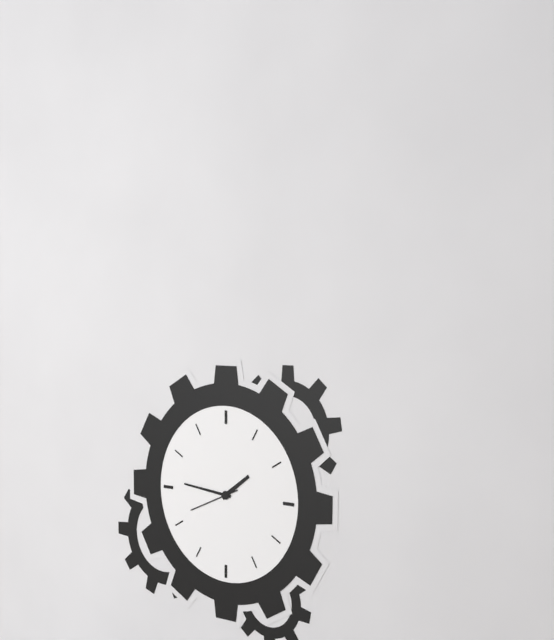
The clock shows 1 h 46 min
